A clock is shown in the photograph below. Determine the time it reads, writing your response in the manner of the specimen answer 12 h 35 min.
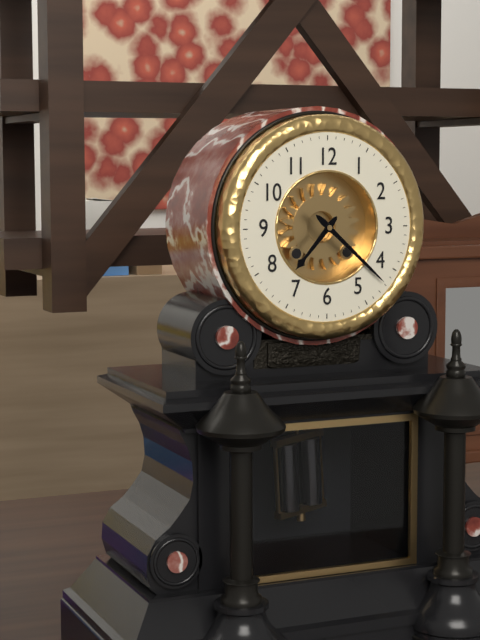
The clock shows 7 h 22 min
